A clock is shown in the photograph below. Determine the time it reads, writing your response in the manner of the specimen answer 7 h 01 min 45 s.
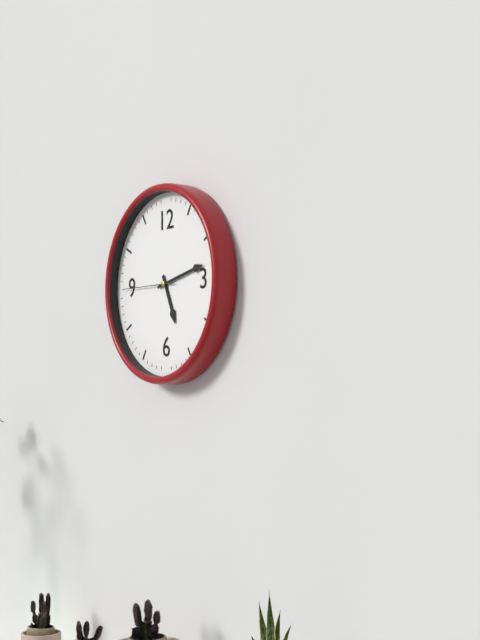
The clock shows 5 h 13 min 45 s
